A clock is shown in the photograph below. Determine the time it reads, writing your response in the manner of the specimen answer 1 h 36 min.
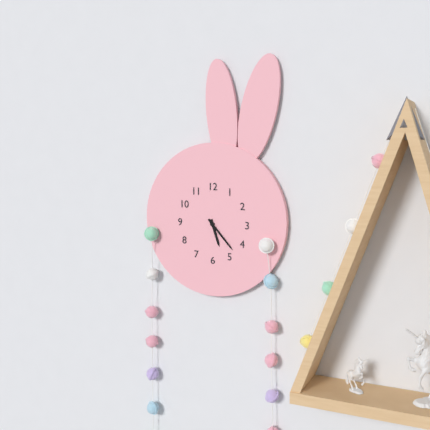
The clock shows 5 h 23 min
